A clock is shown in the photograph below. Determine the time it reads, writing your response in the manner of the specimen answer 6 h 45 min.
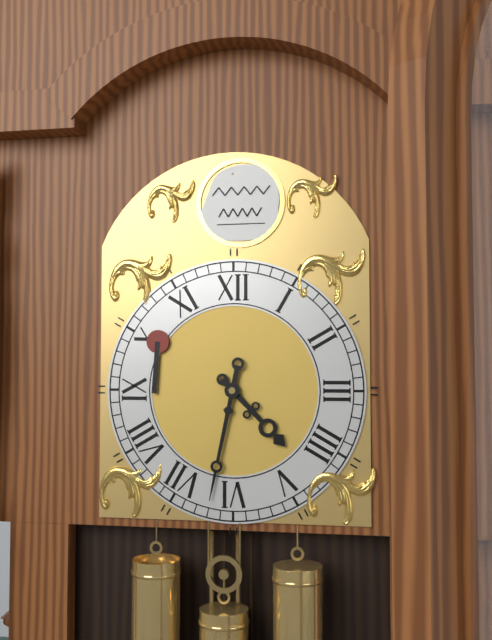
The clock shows 4 h 32 min
